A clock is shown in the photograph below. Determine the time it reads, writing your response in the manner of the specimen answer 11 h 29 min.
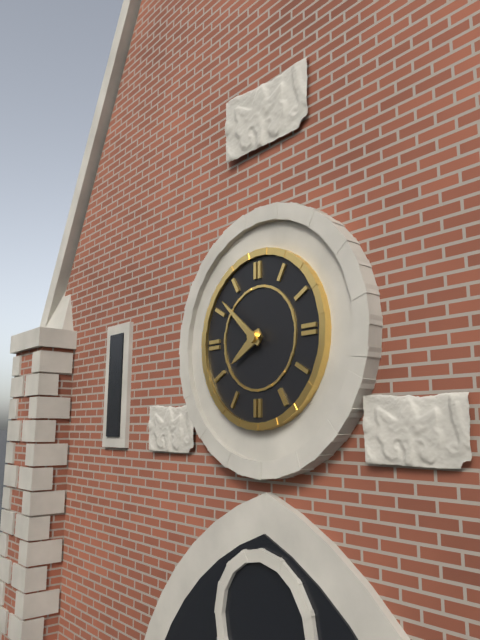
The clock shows 7 h 52 min
